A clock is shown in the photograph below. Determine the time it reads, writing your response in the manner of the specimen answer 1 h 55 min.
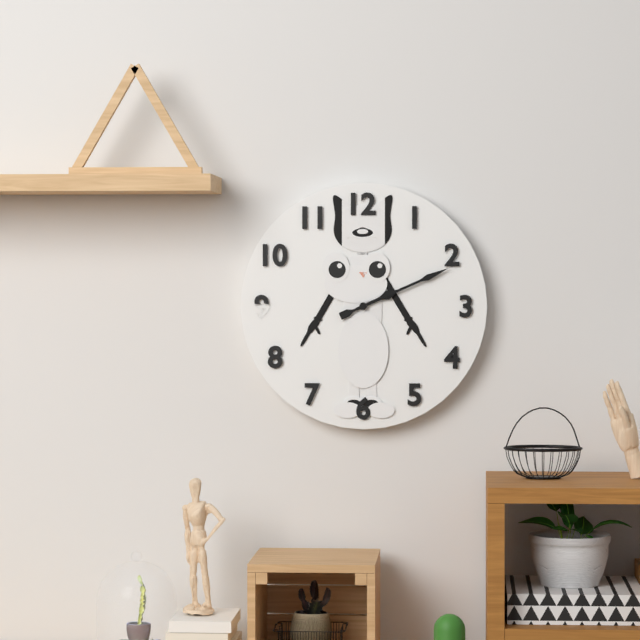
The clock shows 2 h 11 min
